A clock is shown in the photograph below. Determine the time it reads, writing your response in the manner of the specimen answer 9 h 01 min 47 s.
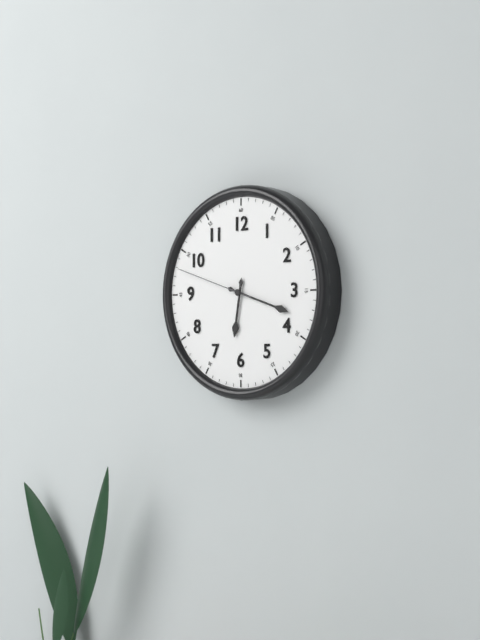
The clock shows 6 h 18 min 48 s
